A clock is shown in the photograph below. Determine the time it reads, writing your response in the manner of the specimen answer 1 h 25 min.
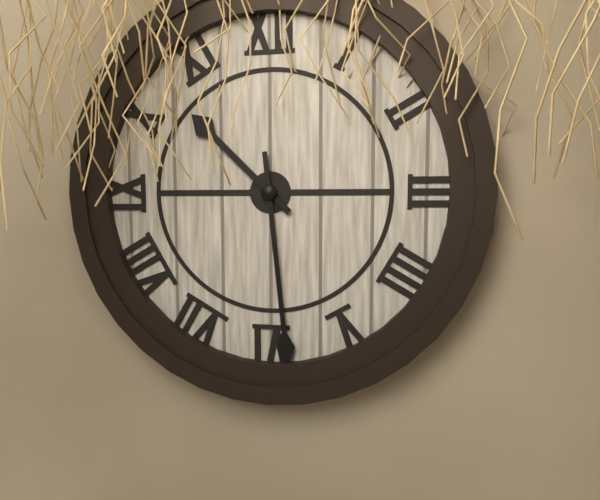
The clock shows 10 h 29 min
